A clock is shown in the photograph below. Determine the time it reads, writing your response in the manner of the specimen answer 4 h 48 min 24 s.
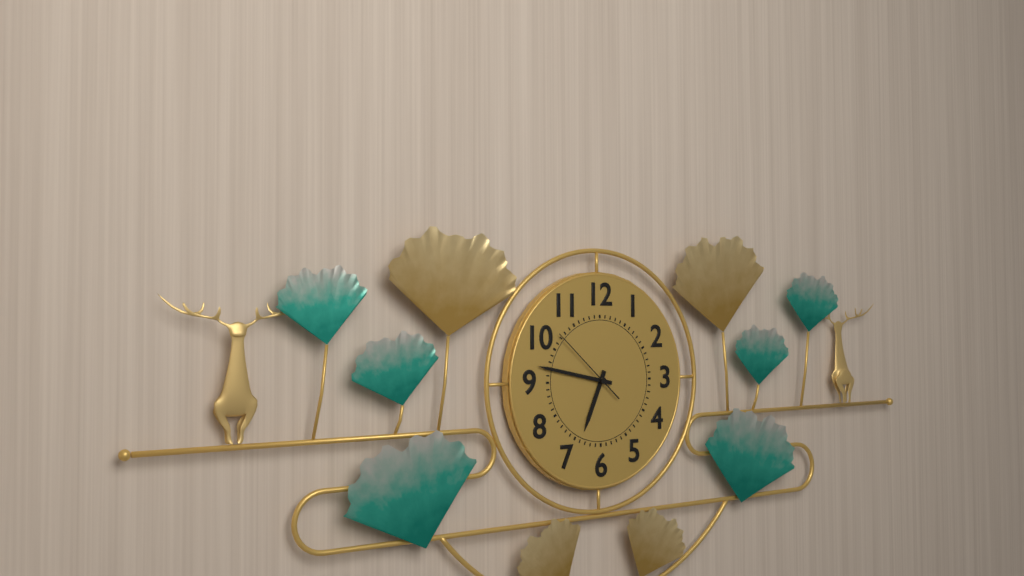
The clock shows 6 h 47 min 52 s
